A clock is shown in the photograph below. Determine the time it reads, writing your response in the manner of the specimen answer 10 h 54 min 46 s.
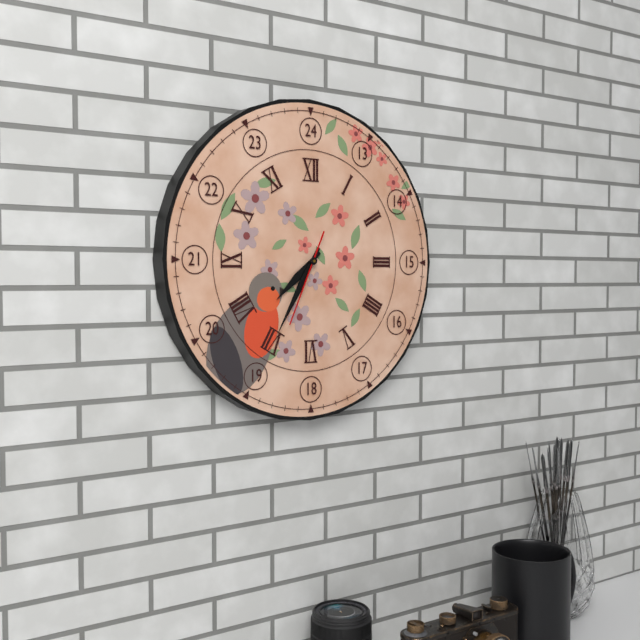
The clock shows 7 h 35 min 34 s
